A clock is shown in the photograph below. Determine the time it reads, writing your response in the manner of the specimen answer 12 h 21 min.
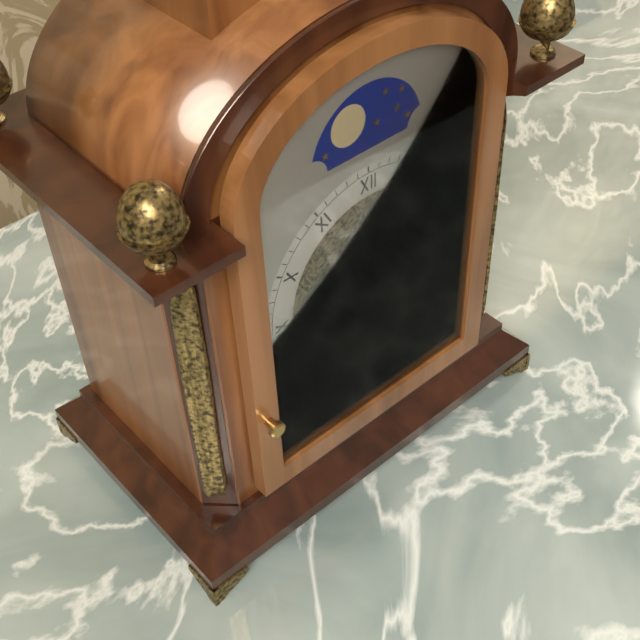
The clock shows 9 h 28 min
